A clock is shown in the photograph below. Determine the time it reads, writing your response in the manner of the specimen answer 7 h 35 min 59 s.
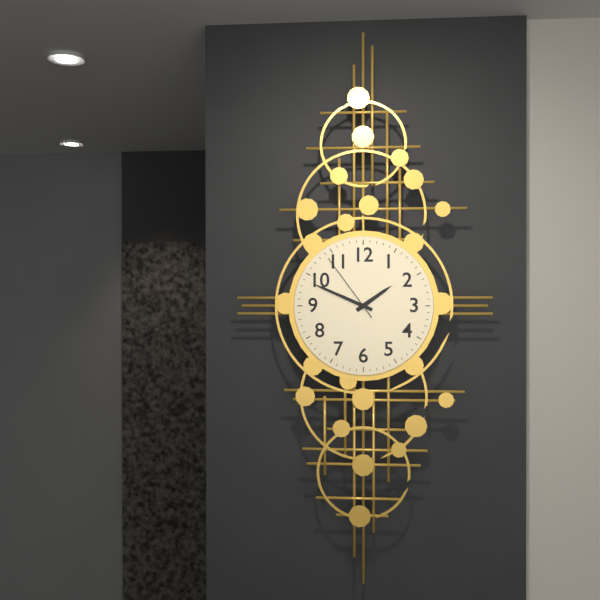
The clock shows 1 h 49 min 54 s
